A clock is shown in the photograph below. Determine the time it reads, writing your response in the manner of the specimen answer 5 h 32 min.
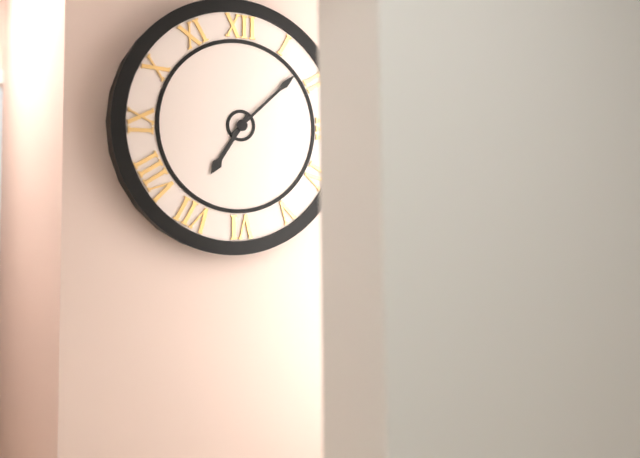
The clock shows 7 h 08 min
